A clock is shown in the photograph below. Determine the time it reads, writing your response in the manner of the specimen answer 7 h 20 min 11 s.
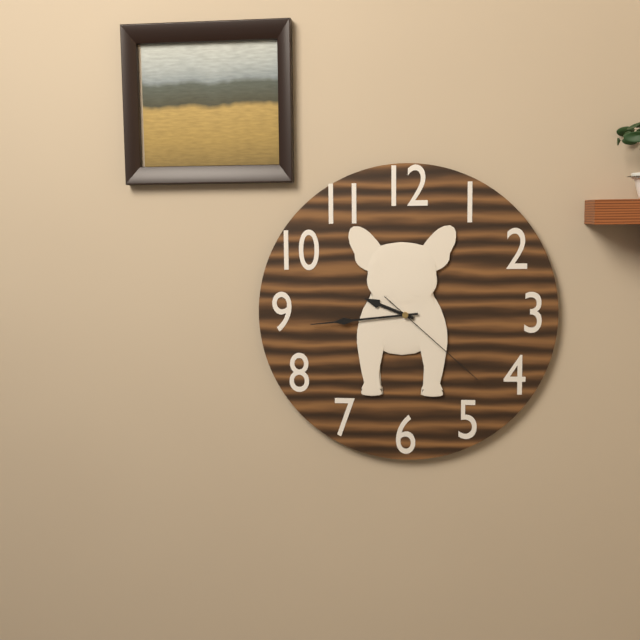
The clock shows 9 h 44 min 22 s
